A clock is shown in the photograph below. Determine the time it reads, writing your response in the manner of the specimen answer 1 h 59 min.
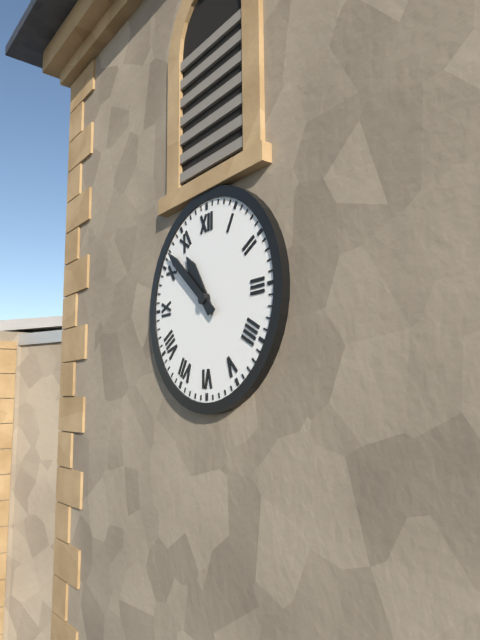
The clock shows 10 h 52 min
